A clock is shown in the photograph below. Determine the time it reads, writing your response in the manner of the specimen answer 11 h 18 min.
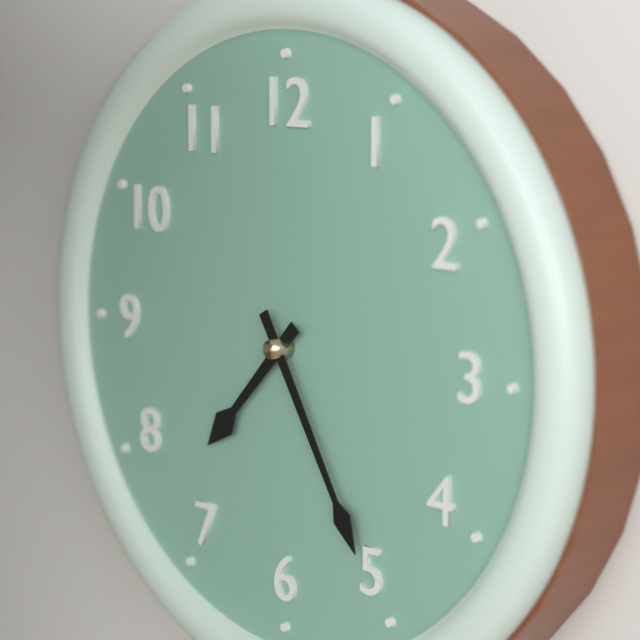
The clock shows 7 h 25 min
